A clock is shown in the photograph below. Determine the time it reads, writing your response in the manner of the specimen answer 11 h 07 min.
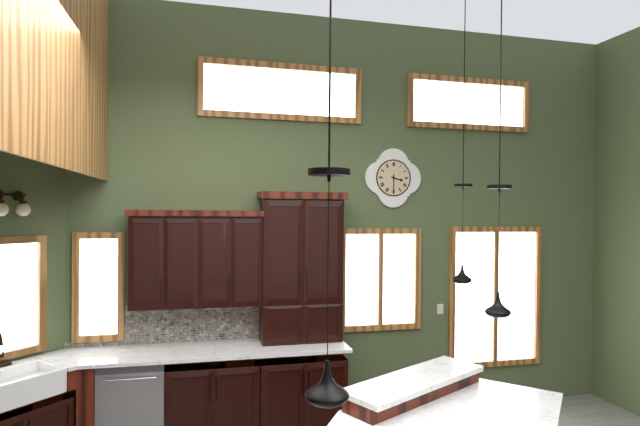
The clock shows 3 h 30 min
